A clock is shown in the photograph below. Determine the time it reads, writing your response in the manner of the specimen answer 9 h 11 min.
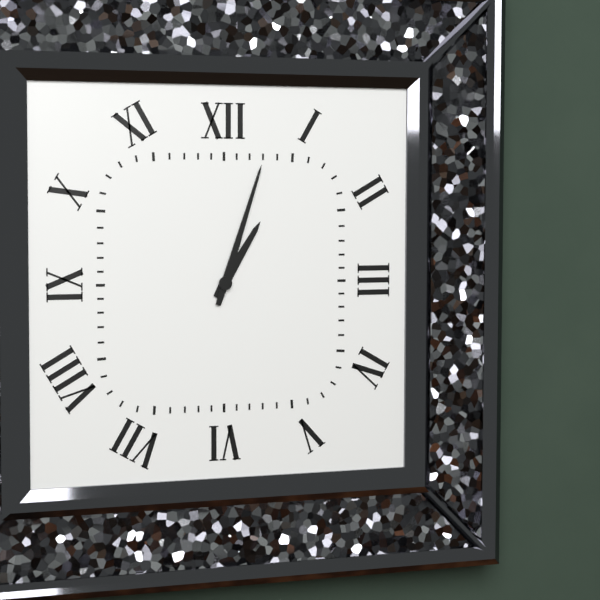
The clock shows 1 h 03 min
